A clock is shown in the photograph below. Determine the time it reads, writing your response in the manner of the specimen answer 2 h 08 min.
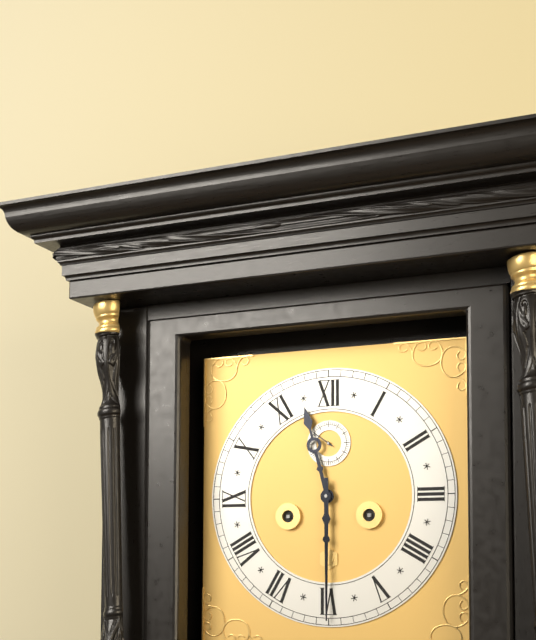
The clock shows 11 h 30 min
